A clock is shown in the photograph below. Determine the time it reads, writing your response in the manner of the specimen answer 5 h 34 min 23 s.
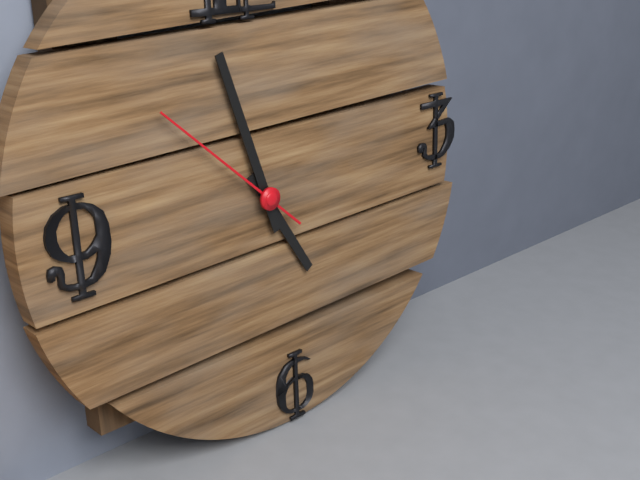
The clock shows 4 h 57 min 52 s
